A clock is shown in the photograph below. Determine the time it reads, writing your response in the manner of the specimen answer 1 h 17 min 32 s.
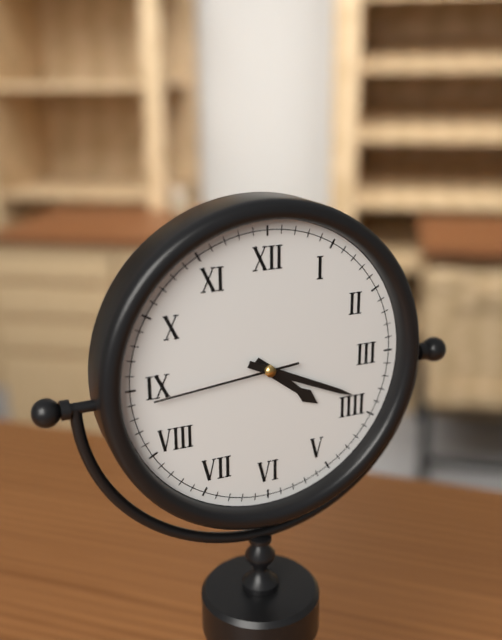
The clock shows 4 h 19 min 44 s
